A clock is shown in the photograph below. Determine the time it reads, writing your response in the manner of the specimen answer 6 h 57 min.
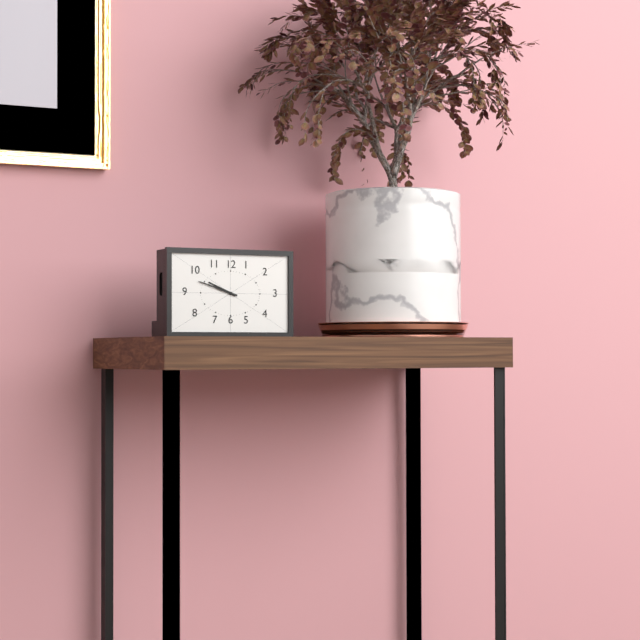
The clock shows 9 h 48 min
